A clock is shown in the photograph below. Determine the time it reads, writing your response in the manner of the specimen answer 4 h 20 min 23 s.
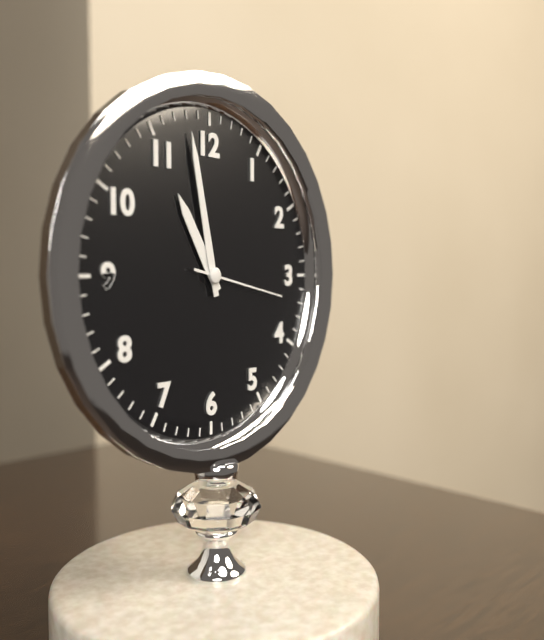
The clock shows 10 h 58 min 17 s
